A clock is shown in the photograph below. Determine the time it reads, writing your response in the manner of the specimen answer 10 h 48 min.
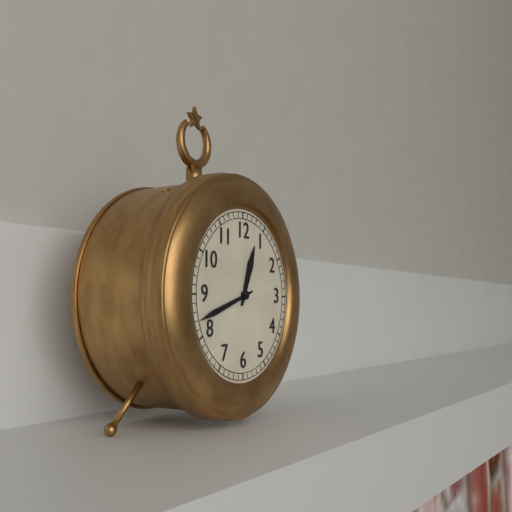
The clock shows 12 h 42 min
